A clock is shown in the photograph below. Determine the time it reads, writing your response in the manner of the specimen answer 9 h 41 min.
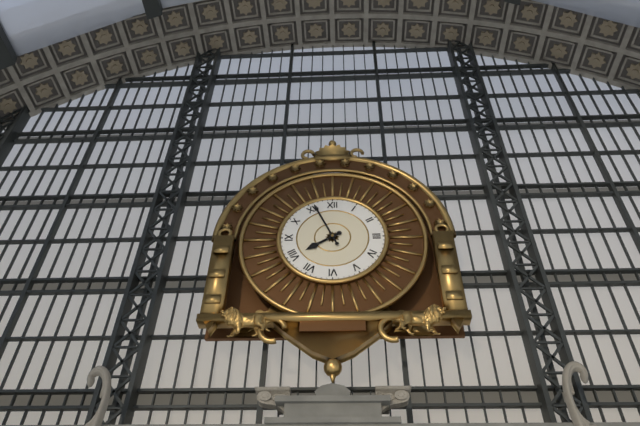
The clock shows 7 h 56 min
